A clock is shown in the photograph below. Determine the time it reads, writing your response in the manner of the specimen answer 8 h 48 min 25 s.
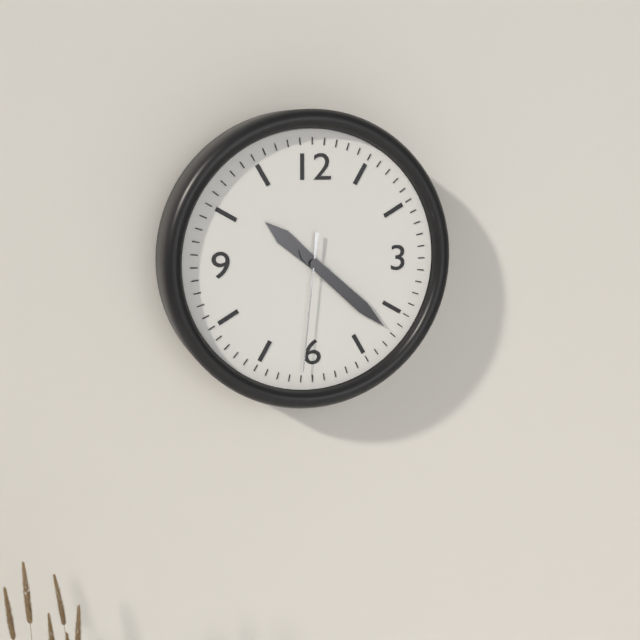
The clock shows 10 h 22 min 31 s
